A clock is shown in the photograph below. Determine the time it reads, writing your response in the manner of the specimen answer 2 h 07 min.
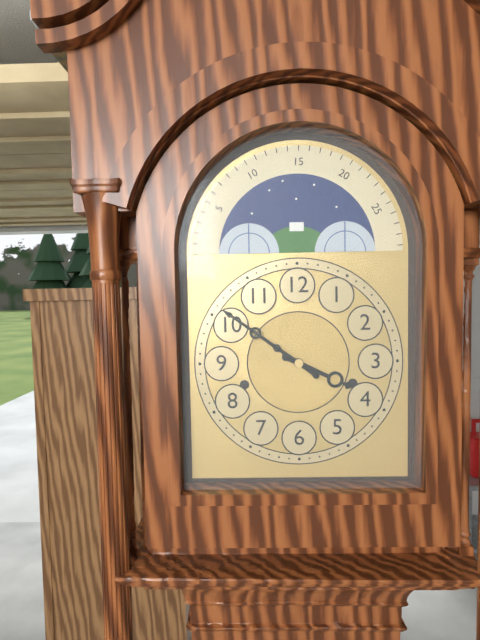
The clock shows 3 h 51 min
